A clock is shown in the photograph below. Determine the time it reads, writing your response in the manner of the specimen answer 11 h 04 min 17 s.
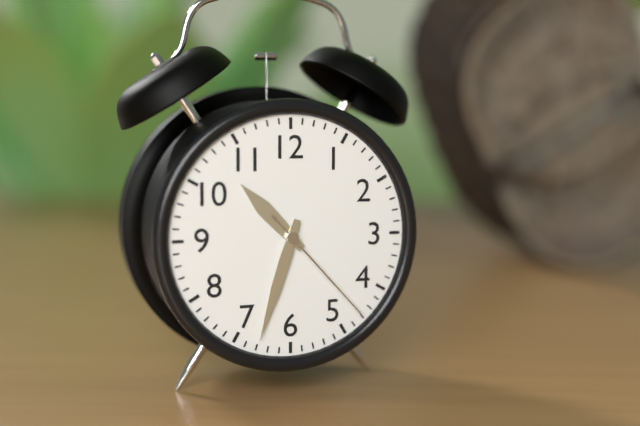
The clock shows 10 h 33 min 23 s
